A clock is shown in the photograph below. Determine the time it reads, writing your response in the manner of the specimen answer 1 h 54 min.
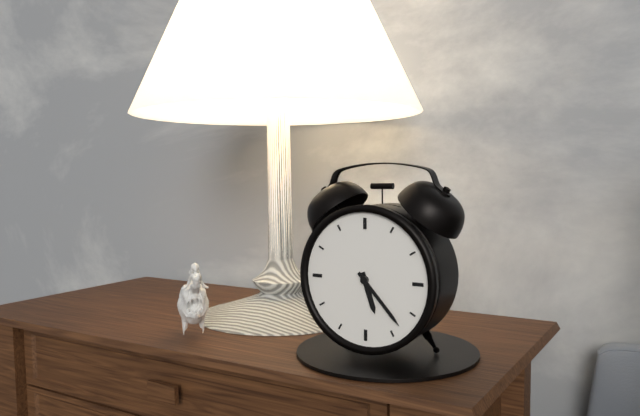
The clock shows 5 h 23 min
